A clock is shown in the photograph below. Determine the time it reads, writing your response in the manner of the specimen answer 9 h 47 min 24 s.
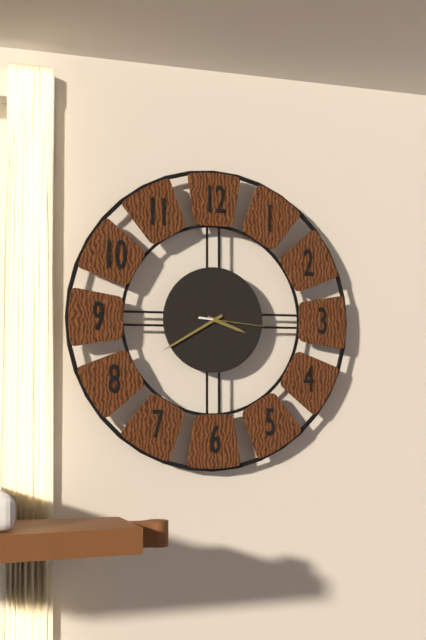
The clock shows 3 h 40 min 16 s
